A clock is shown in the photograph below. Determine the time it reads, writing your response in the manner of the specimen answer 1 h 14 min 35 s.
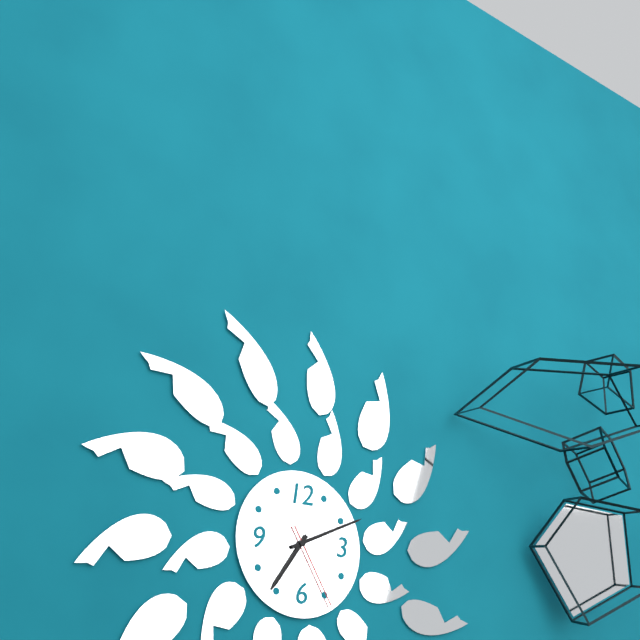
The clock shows 7 h 11 min 25 s
